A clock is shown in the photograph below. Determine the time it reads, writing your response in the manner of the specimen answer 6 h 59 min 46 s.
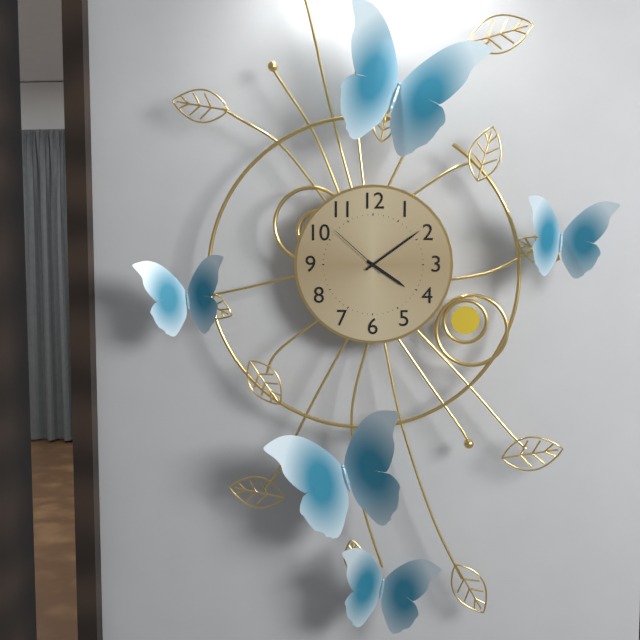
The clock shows 4 h 09 min 52 s
